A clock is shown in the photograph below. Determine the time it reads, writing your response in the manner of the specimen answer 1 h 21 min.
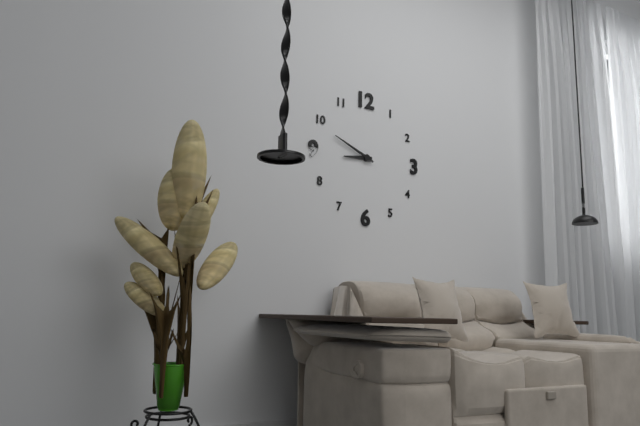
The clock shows 8 h 49 min
